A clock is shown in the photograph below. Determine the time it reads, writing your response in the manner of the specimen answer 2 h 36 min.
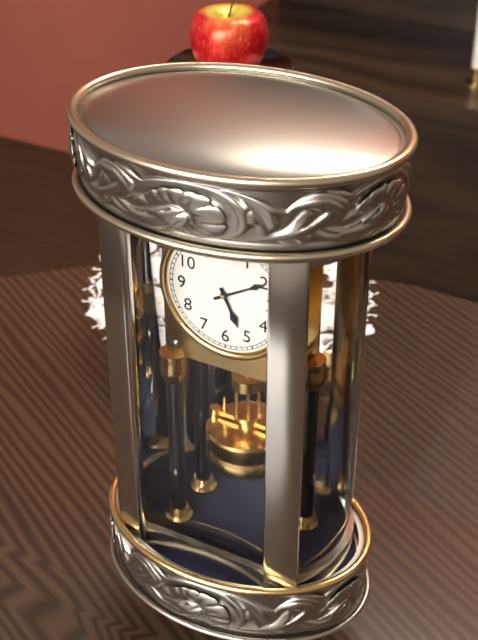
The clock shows 5 h 10 min
